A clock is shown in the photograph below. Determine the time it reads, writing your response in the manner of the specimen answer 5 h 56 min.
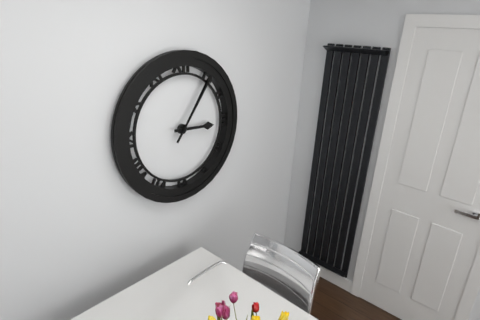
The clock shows 3 h 06 min
